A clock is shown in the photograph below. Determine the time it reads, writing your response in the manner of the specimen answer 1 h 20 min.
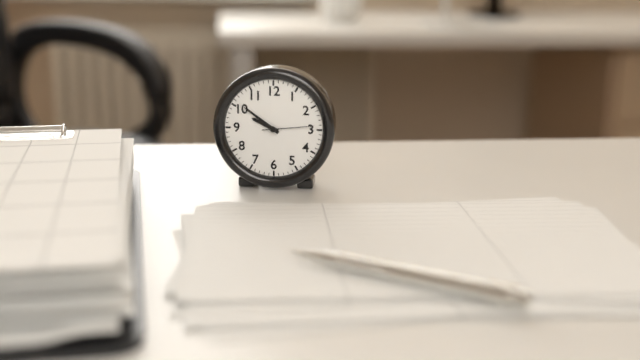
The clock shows 9 h 51 min
